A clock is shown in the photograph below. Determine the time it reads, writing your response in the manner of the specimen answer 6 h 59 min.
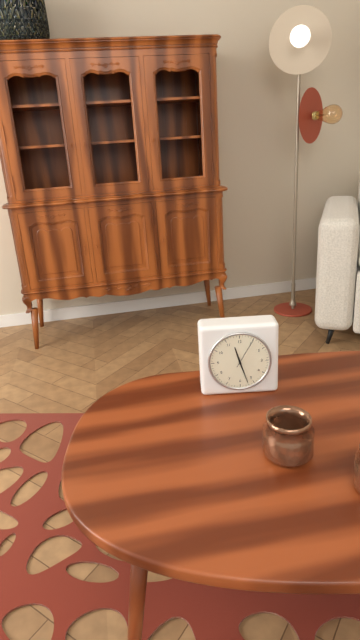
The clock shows 11 h 27 min
